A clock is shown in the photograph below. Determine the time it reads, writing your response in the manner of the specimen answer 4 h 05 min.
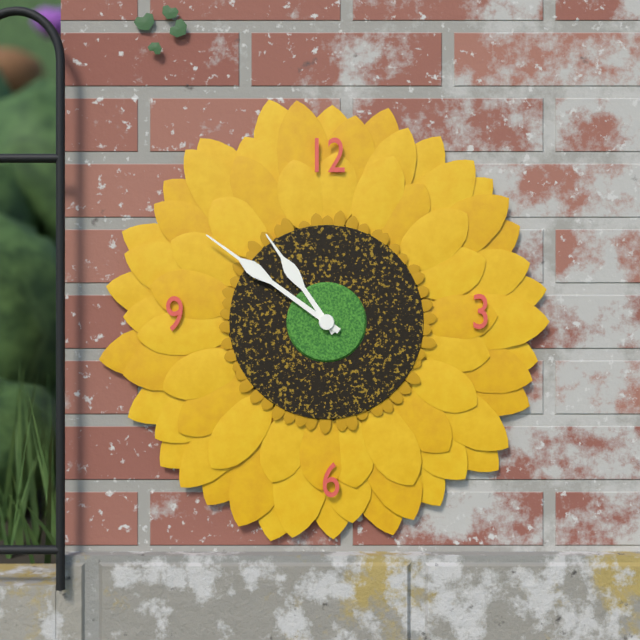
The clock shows 10 h 51 min
